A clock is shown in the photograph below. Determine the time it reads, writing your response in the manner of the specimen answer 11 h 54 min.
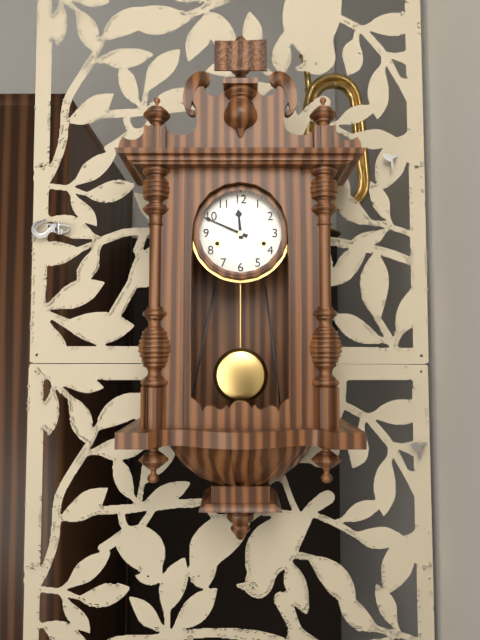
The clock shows 11 h 49 min
